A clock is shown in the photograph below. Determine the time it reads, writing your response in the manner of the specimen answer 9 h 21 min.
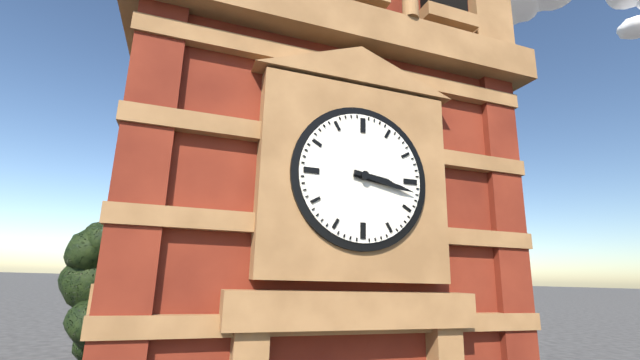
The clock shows 3 h 17 min
